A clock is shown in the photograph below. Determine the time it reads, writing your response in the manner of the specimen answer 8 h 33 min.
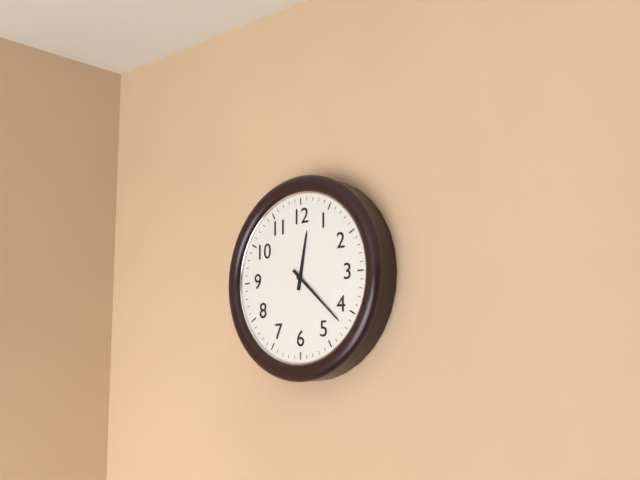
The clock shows 12 h 22 min
